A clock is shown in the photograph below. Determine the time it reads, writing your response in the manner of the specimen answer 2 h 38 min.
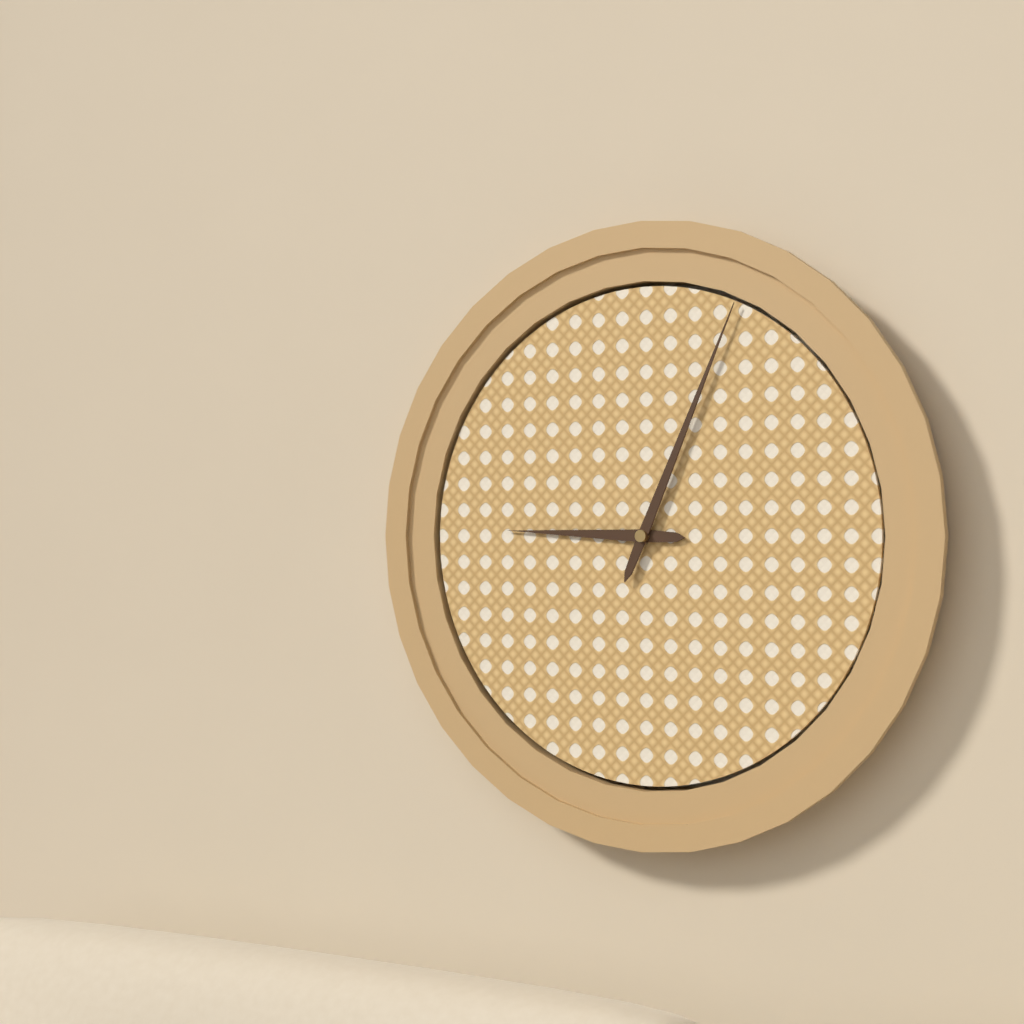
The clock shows 9 h 04 min
